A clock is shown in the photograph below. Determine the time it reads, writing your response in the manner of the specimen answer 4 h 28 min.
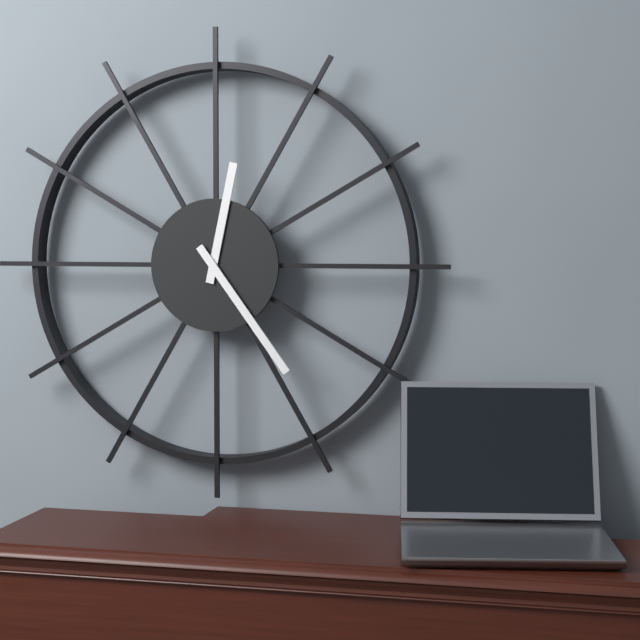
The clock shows 12 h 24 min
